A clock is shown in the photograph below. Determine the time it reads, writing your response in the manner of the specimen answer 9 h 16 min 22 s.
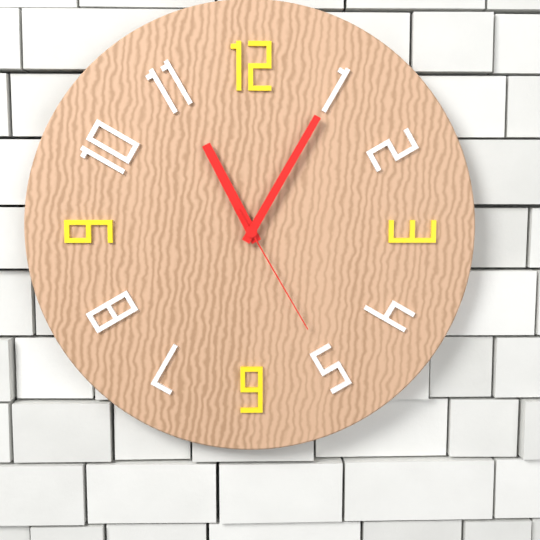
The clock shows 11 h 05 min 25 s
